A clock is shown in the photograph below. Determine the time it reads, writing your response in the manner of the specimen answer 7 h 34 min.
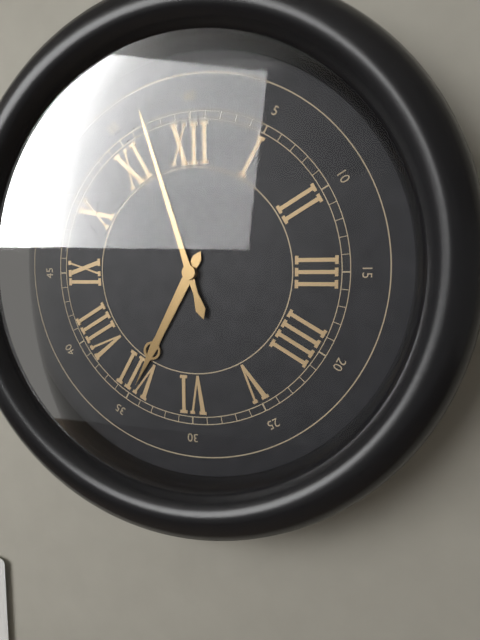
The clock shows 6 h 57 min
